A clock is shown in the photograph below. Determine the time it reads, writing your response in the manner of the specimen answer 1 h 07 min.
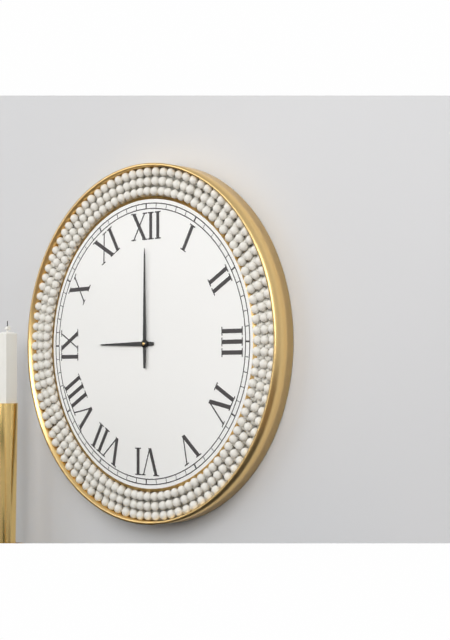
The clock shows 9 h 00 min
